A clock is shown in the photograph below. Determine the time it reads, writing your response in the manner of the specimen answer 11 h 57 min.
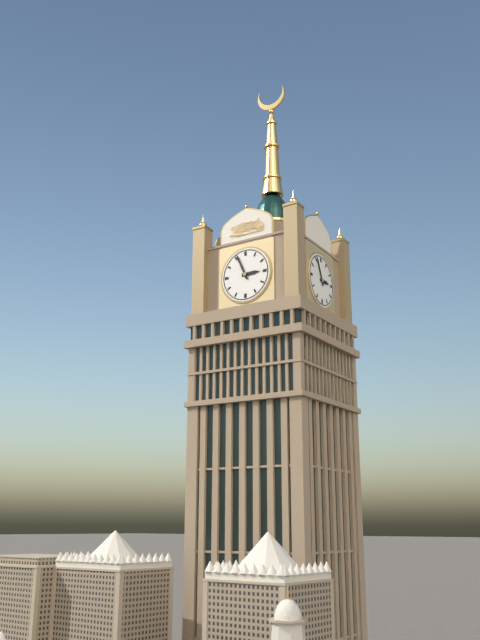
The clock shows 2 h 56 min
